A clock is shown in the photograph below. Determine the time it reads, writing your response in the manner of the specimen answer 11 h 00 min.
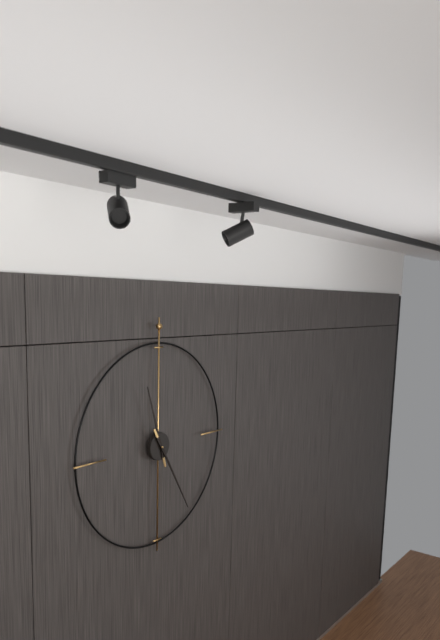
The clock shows 11 h 25 min
